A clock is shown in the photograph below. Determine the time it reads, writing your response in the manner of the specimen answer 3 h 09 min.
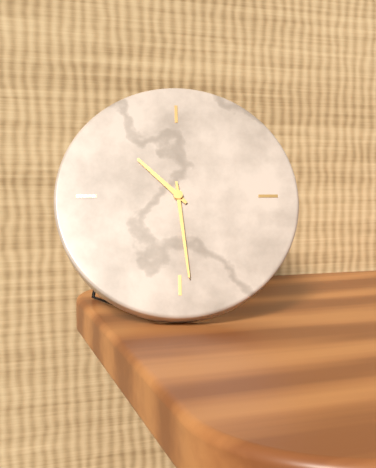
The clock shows 10 h 29 min
